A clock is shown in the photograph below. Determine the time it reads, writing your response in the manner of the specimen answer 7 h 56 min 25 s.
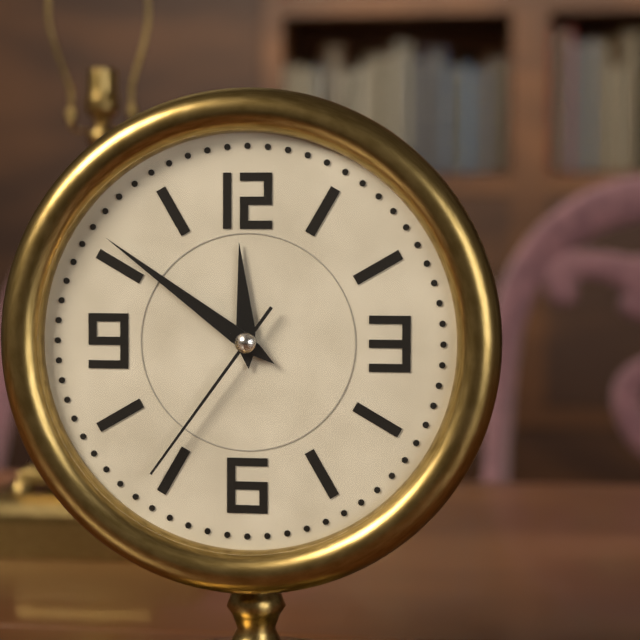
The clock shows 11 h 51 min 36 s
